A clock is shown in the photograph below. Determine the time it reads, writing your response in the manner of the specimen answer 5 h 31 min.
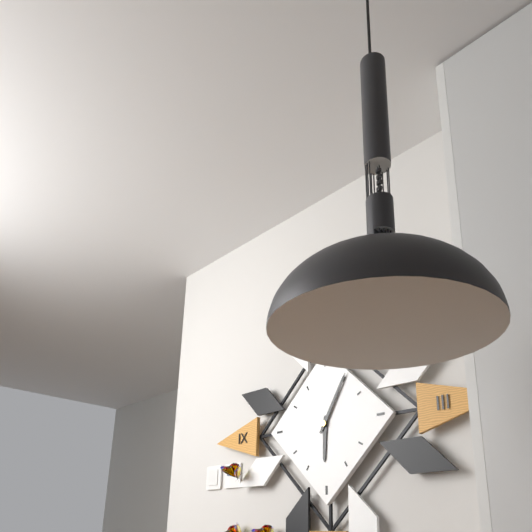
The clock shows 6 h 05 min
